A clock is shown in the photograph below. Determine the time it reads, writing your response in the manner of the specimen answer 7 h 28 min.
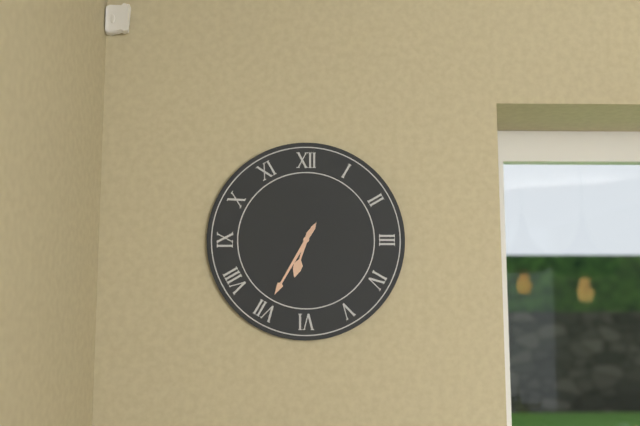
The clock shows 6 h 35 min
